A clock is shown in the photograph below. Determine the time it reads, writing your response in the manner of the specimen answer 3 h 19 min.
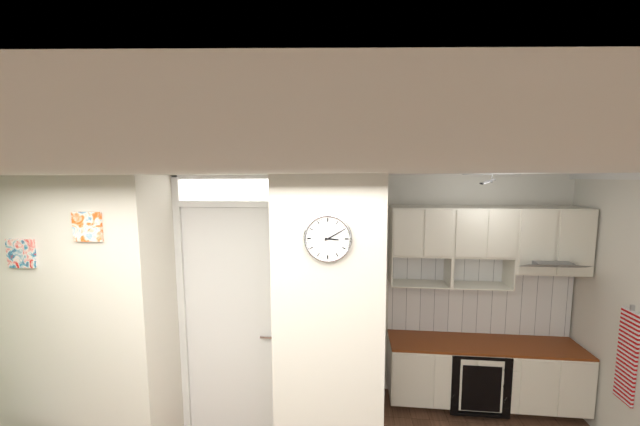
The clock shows 3 h 10 min
